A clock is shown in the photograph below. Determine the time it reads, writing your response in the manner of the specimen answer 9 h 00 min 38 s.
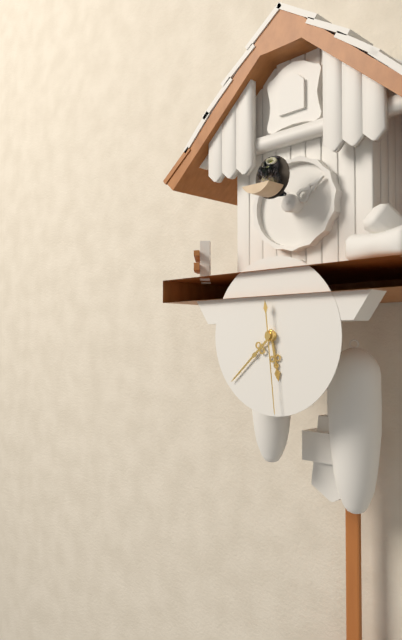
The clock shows 5 h 38 min 29 s
